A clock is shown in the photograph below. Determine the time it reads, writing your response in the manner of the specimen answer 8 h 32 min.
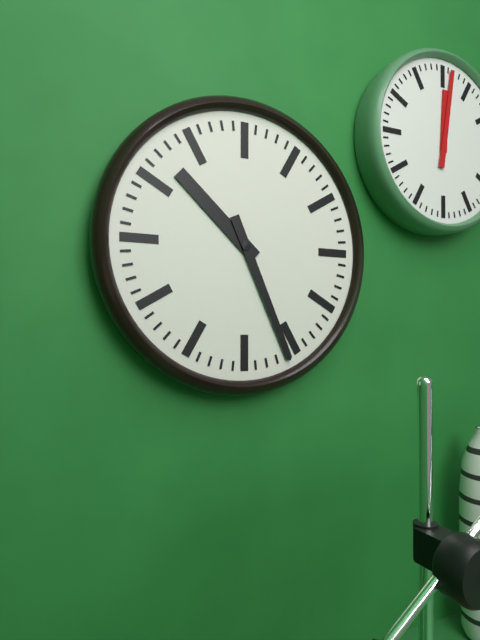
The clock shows 10 h 26 min
